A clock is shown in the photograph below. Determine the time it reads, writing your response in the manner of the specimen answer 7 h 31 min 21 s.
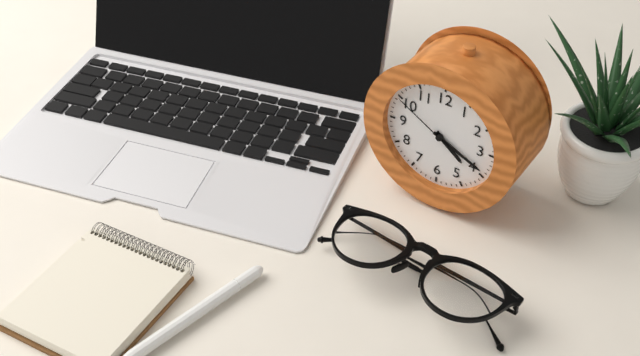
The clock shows 4 h 19 min 50 s
